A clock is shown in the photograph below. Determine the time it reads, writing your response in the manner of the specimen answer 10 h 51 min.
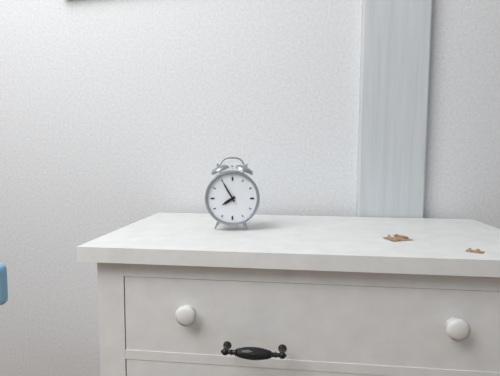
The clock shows 7 h 55 min
